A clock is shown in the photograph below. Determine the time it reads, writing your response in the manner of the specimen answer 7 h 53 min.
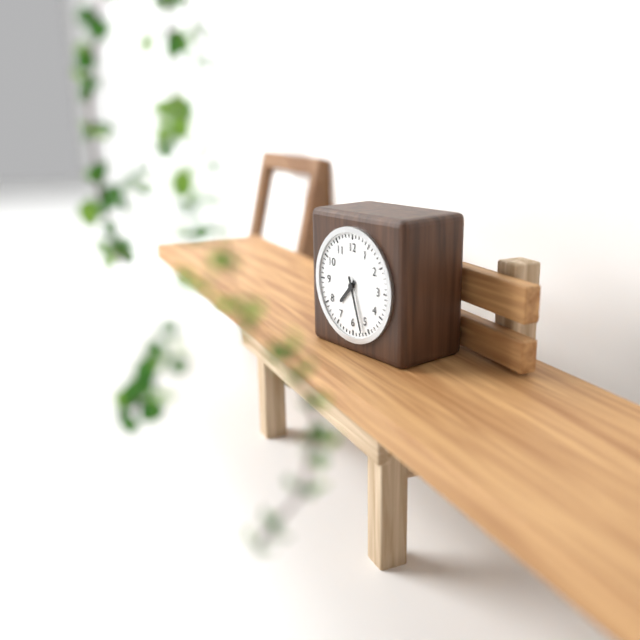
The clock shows 7 h 27 min
